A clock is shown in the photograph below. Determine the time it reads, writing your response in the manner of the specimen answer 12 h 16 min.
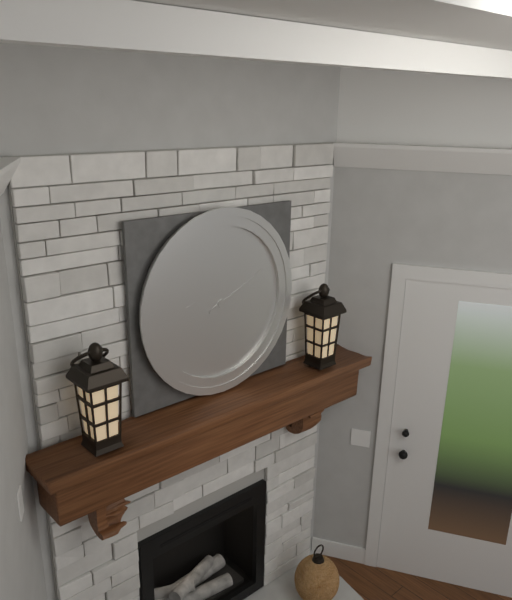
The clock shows 9 h 11 min
